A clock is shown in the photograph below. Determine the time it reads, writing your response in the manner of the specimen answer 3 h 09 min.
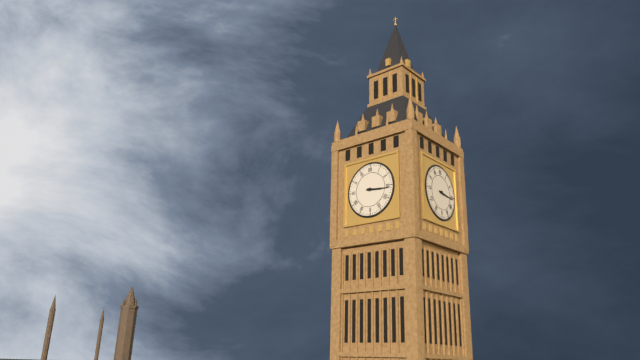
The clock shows 3 h 16 min
